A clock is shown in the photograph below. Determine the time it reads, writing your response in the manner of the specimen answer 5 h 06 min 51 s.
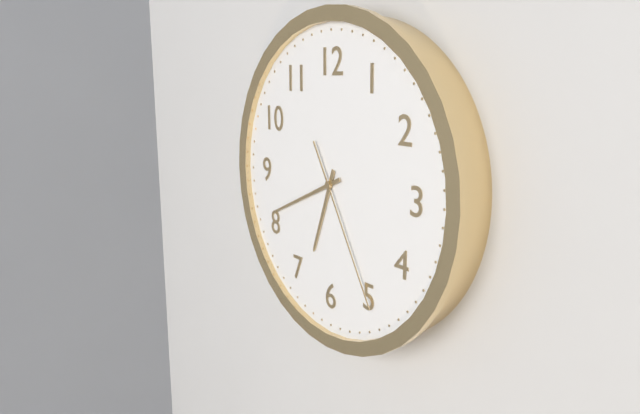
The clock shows 6 h 41 min 25 s
